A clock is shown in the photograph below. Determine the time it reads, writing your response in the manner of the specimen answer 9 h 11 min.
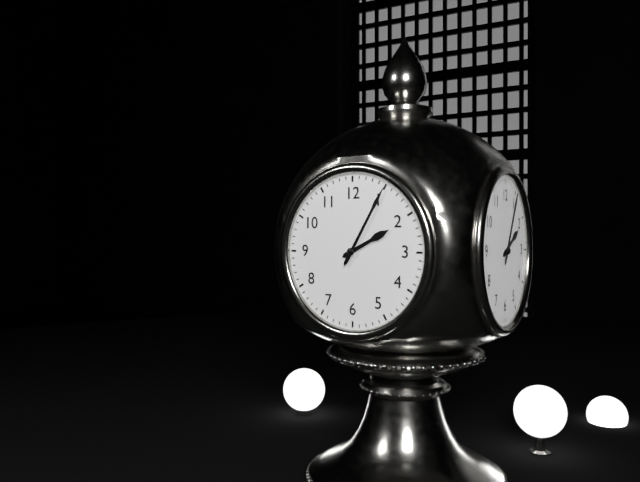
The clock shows 2 h 05 min
